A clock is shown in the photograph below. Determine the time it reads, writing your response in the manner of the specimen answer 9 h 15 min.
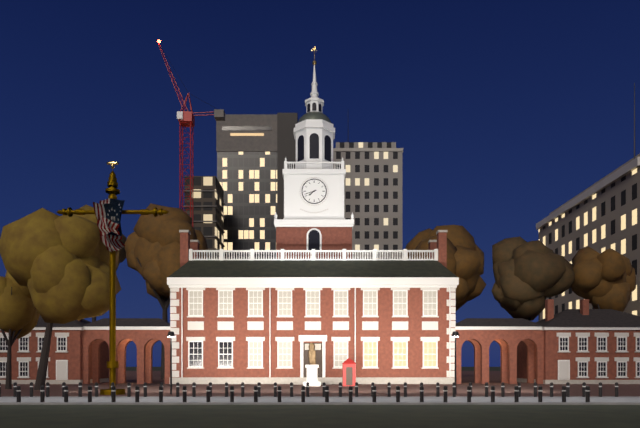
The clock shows 7 h 42 min
